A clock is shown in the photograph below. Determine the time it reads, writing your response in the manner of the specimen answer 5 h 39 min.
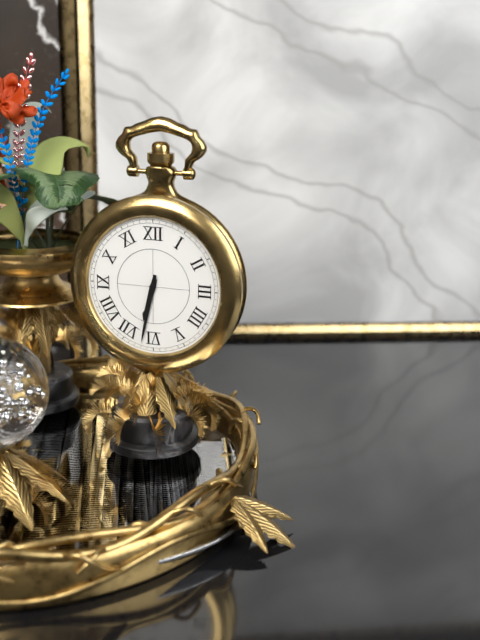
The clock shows 6 h 32 min
